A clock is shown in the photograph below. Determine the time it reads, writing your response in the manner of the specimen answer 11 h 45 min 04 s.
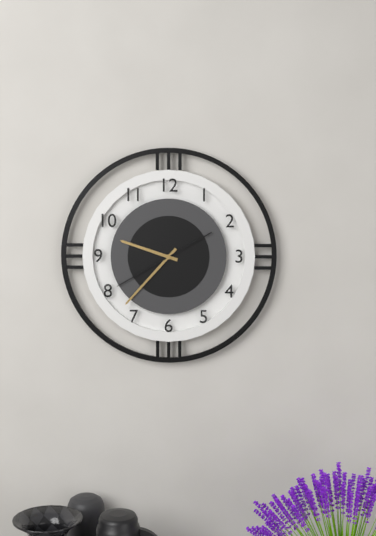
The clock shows 9 h 37 min 40 s
